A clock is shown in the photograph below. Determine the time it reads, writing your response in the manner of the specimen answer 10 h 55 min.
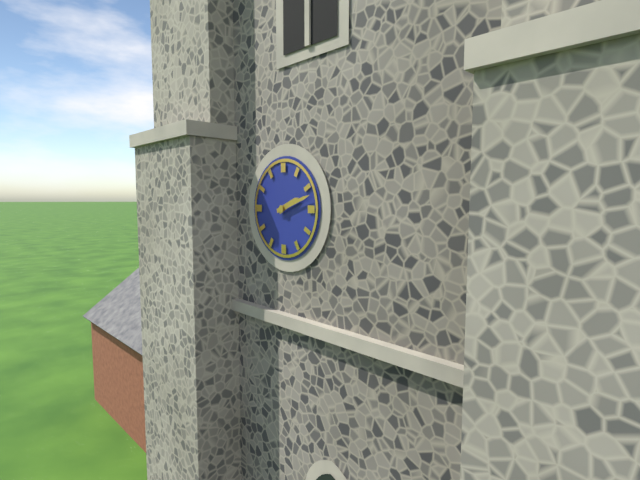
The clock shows 2 h 12 min
